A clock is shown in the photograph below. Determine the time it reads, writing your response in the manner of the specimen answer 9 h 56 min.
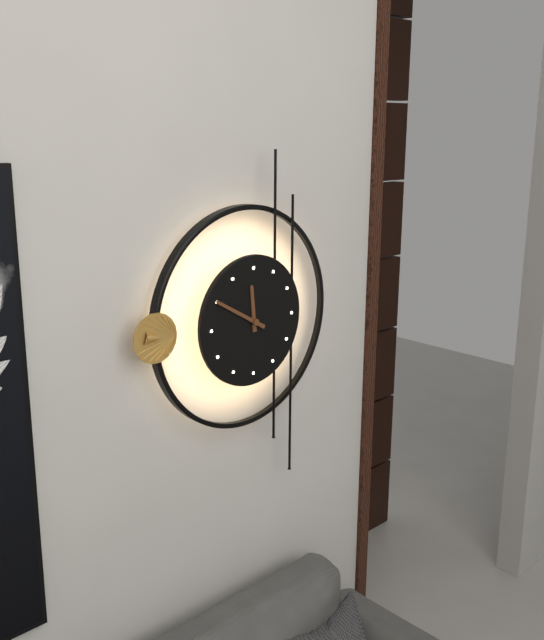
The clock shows 11 h 50 min
